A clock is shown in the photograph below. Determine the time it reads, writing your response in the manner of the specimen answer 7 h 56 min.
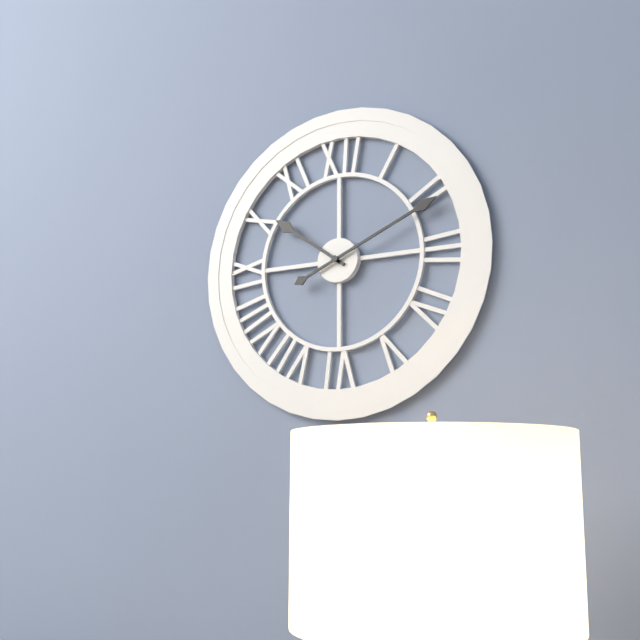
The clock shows 10 h 11 min
